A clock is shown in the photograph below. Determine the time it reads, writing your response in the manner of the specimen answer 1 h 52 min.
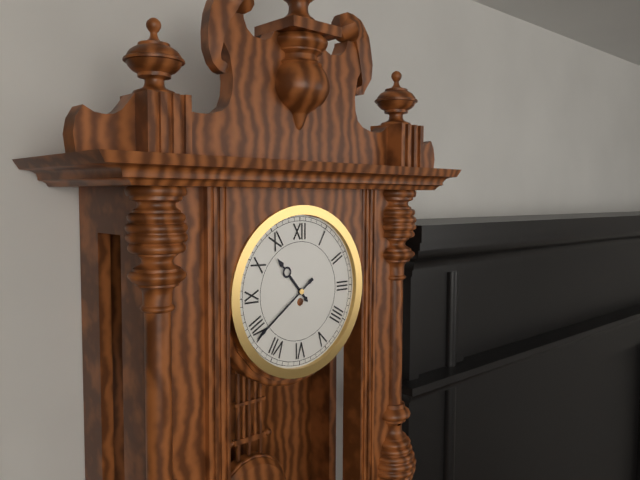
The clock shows 10 h 39 min
